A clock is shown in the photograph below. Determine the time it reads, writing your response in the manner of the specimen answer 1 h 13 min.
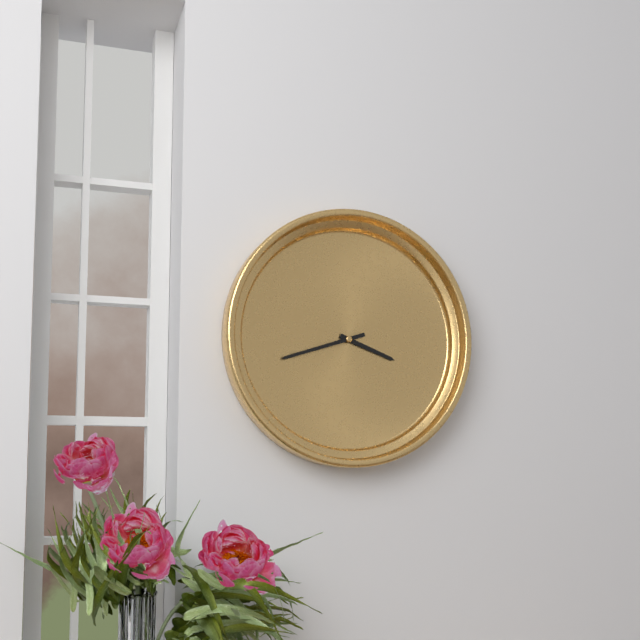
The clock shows 3 h 42 min
